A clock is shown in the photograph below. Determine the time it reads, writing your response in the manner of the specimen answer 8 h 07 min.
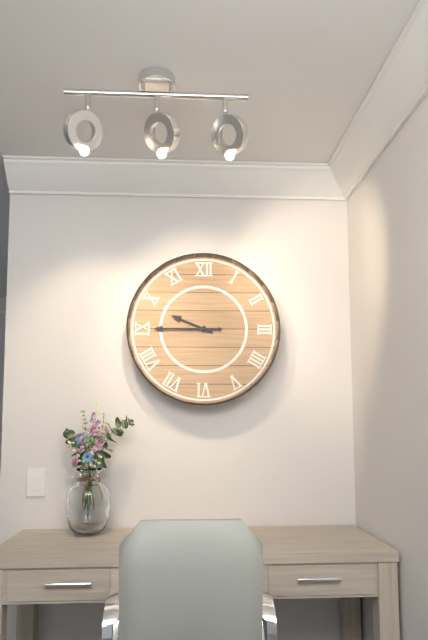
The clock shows 9 h 45 min
